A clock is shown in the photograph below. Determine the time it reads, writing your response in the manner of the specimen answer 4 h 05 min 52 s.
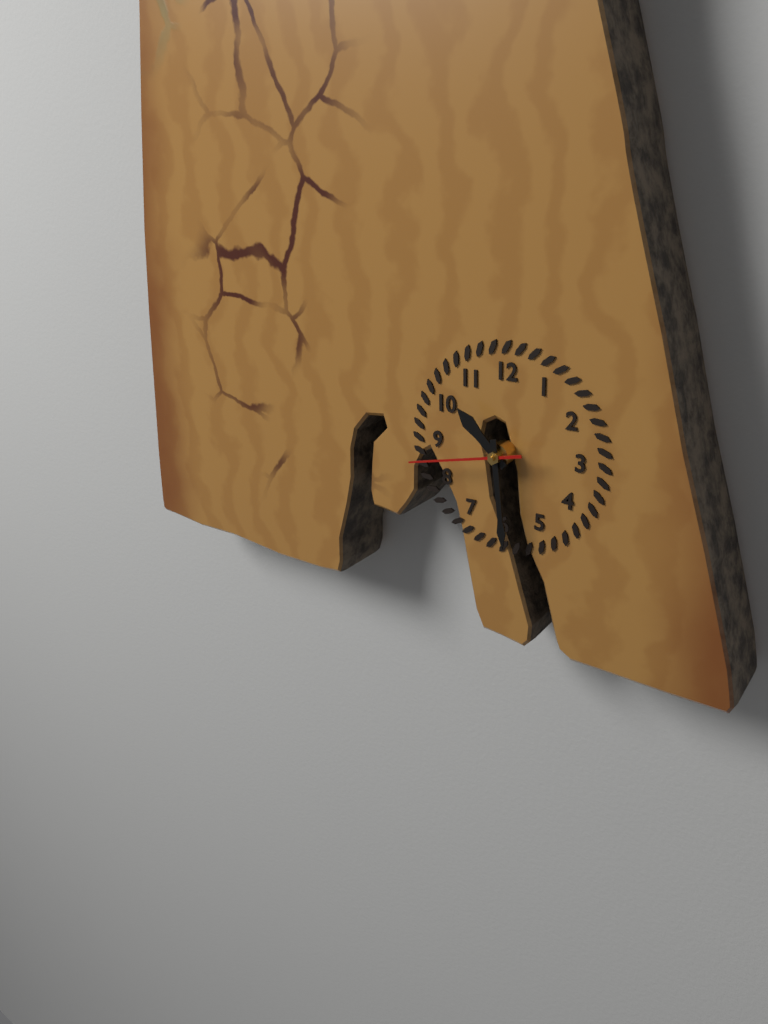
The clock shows 10 h 29 min 43 s
